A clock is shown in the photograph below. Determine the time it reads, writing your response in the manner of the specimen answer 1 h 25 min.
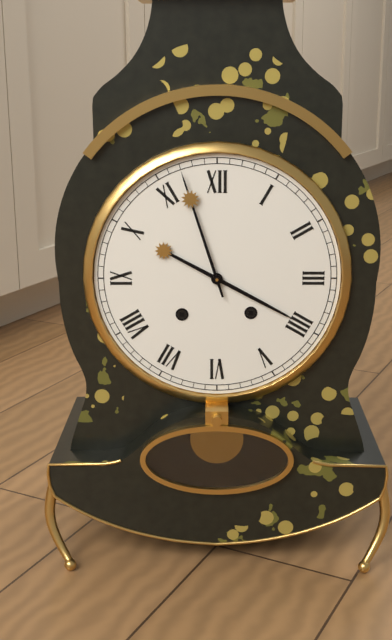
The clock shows 3 h 57 min
